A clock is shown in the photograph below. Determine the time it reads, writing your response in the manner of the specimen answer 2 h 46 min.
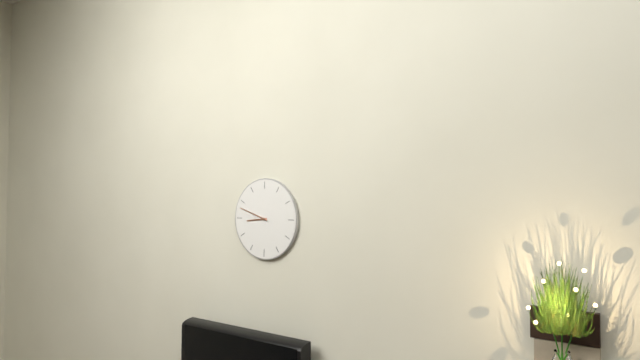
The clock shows 8 h 48 min
